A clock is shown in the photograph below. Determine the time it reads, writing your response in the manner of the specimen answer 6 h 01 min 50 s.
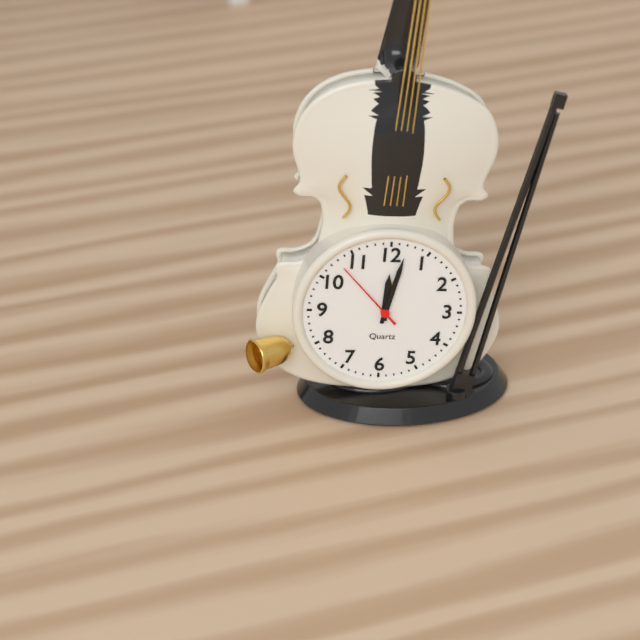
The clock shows 12 h 02 min 53 s
